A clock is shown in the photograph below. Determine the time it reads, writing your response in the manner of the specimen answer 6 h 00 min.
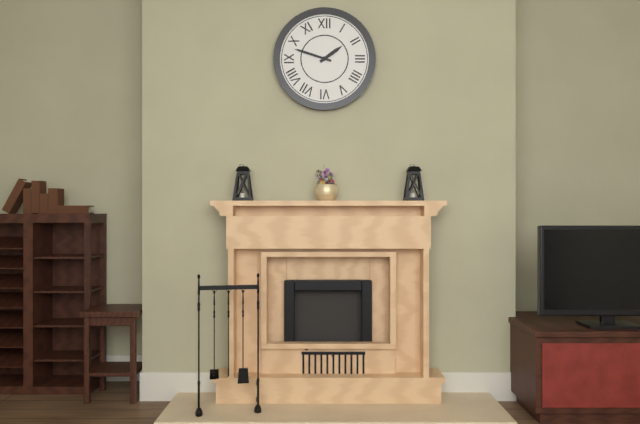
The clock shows 1 h 48 min
